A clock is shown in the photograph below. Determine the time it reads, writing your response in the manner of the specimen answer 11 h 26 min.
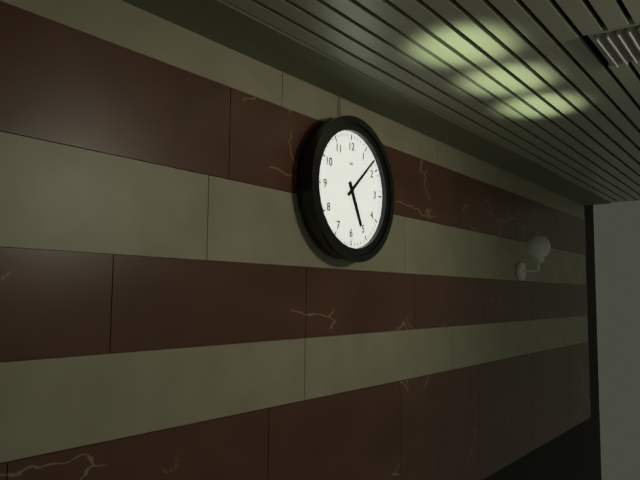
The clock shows 5 h 08 min
